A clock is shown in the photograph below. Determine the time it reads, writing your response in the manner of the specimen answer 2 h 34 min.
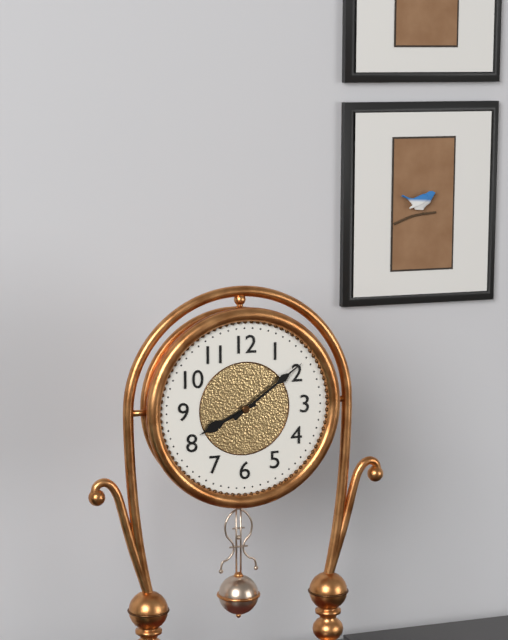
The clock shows 8 h 09 min
